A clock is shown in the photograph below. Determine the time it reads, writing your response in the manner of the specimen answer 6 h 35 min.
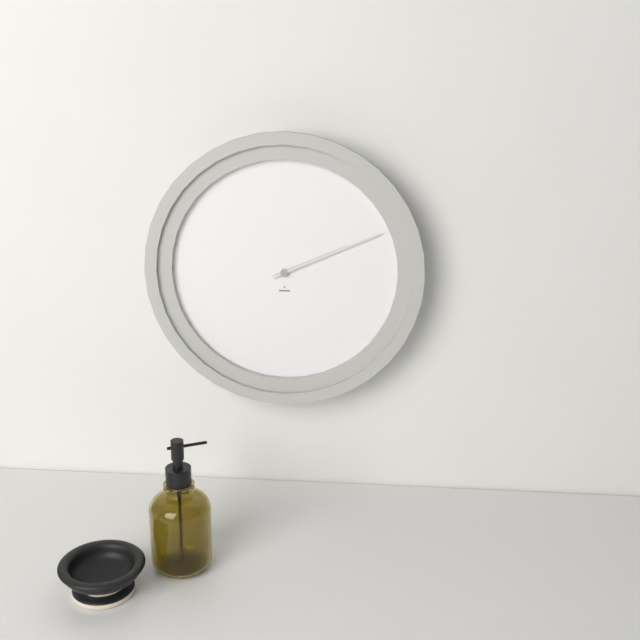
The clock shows 2 h 11 min
